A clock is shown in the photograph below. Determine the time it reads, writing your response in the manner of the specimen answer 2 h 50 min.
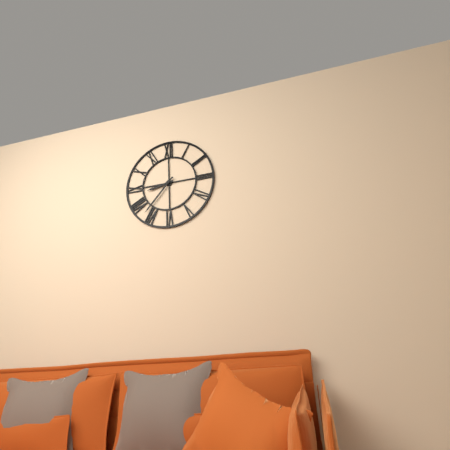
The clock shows 8 h 37 min
